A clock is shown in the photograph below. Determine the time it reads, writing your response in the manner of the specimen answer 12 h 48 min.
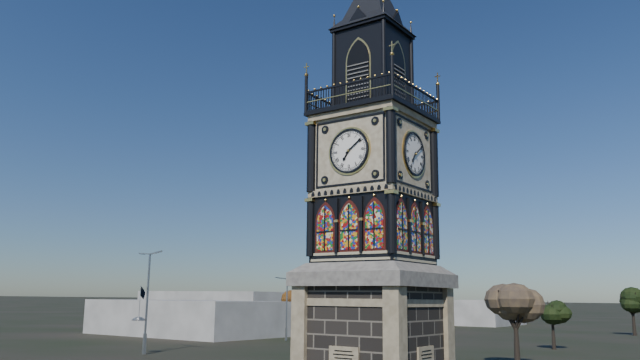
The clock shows 7 h 09 min
